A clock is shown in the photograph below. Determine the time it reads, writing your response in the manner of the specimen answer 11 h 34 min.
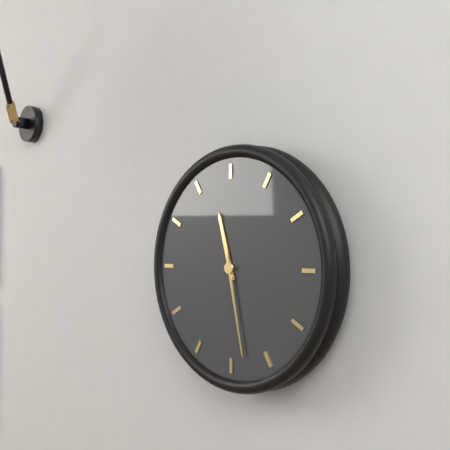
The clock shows 11 h 28 min
